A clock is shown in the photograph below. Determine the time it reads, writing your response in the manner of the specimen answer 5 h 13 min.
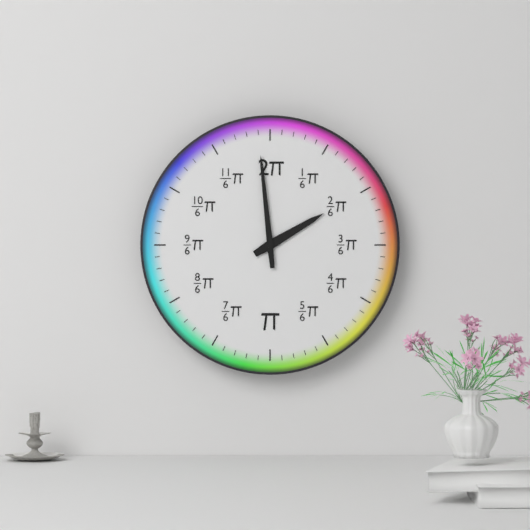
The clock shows 1 h 59 min
